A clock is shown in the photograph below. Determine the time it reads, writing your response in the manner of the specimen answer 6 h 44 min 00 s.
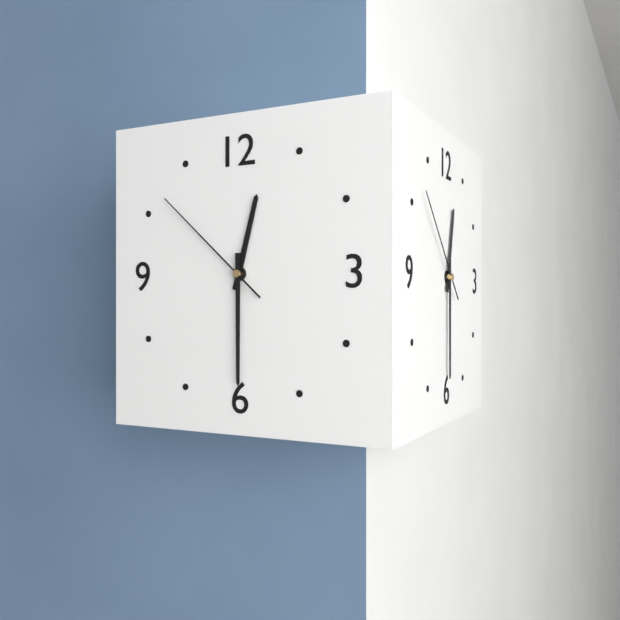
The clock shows 12 h 30 min 52 s
